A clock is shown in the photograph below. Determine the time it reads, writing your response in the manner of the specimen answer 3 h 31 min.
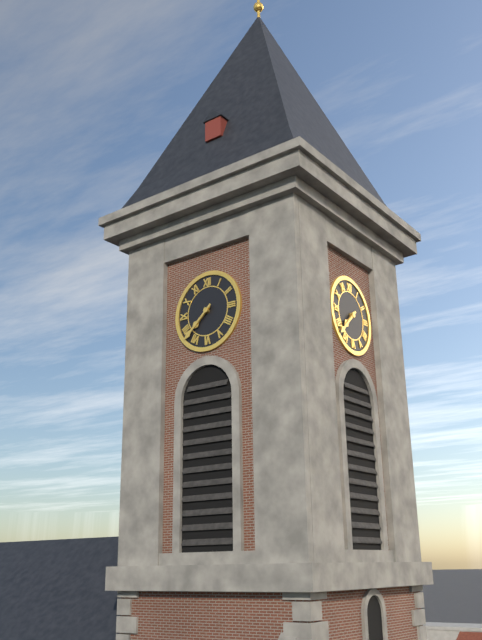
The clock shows 7 h 38 min
